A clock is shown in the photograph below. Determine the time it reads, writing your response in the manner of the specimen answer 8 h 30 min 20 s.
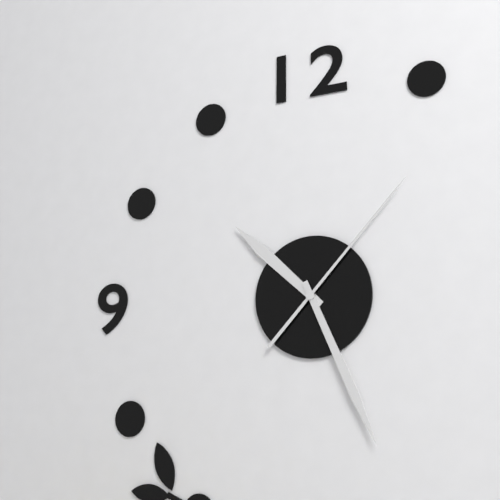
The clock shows 10 h 26 min 07 s
